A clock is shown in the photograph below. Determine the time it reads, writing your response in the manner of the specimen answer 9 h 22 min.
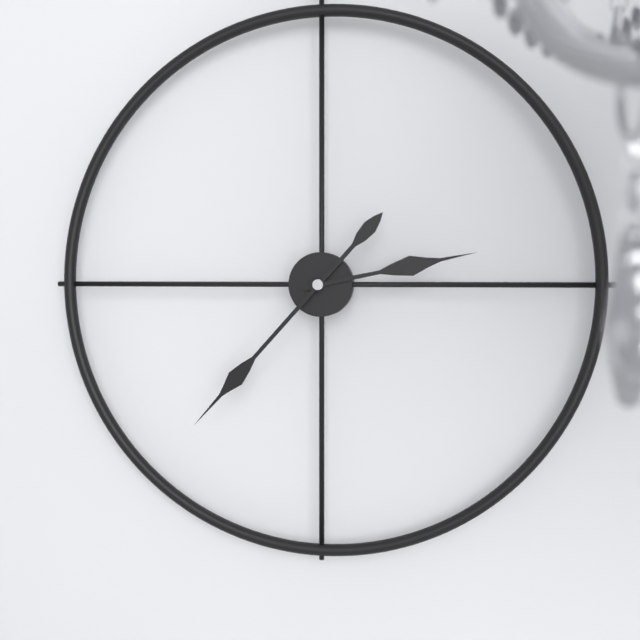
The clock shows 2 h 37 min
